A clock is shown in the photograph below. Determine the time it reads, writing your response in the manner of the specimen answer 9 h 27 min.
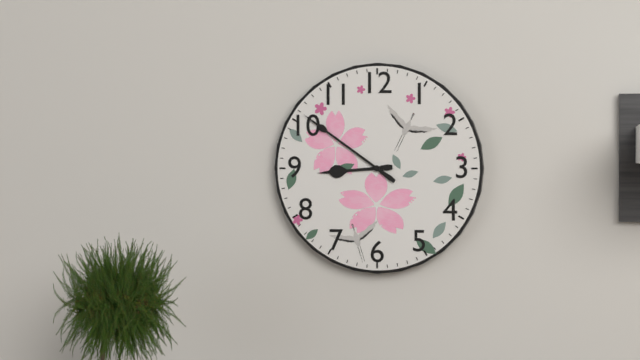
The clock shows 8 h 51 min
